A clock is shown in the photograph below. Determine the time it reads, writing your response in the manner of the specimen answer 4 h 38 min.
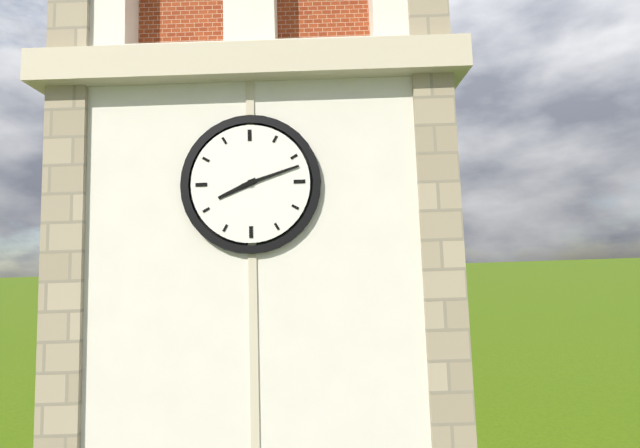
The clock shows 8 h 12 min
